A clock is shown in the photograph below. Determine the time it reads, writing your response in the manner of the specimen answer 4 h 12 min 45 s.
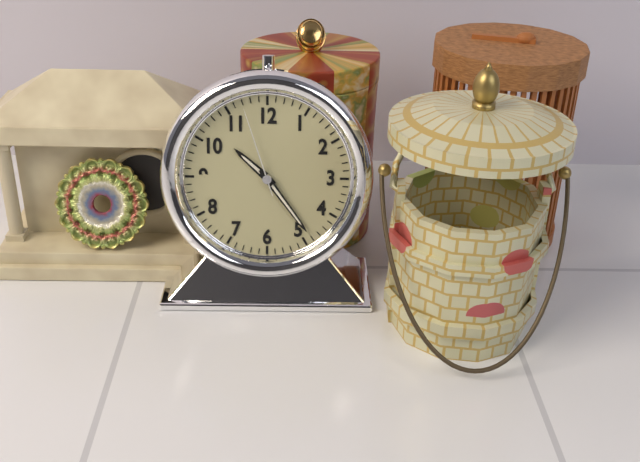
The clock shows 10 h 24 min 57 s
